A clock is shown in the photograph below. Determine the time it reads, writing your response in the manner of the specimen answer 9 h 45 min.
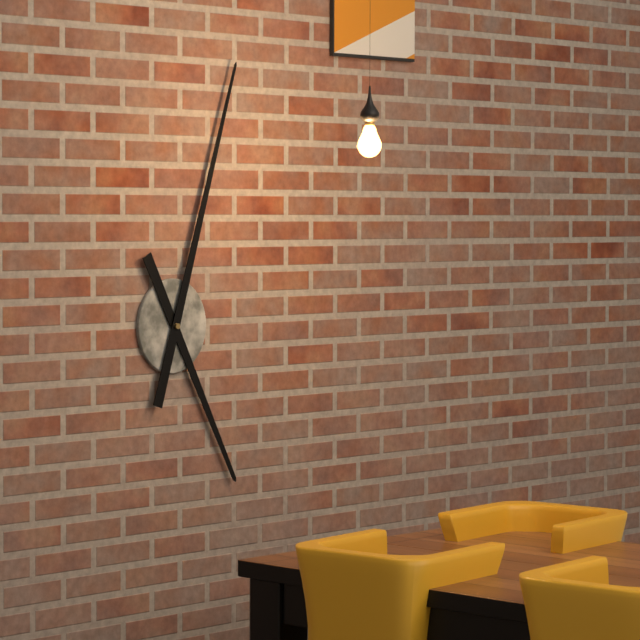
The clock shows 5 h 03 min
